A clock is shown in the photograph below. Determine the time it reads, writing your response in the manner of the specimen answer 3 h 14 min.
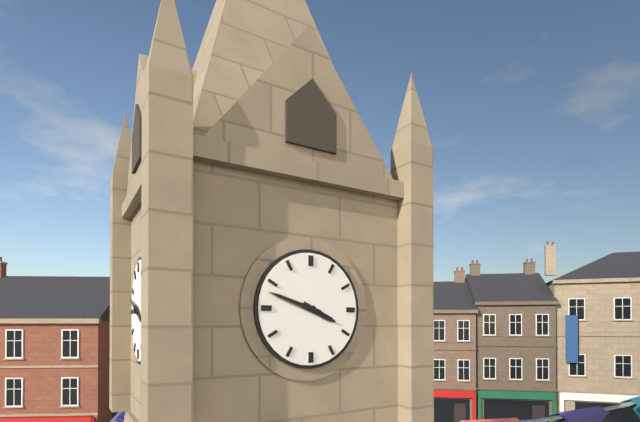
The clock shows 3 h 48 min
